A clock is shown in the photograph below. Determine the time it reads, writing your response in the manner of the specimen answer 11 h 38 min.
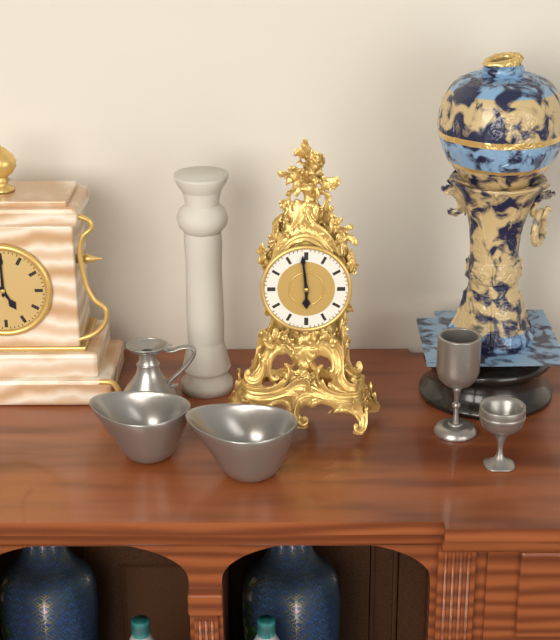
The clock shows 5 h 59 min
